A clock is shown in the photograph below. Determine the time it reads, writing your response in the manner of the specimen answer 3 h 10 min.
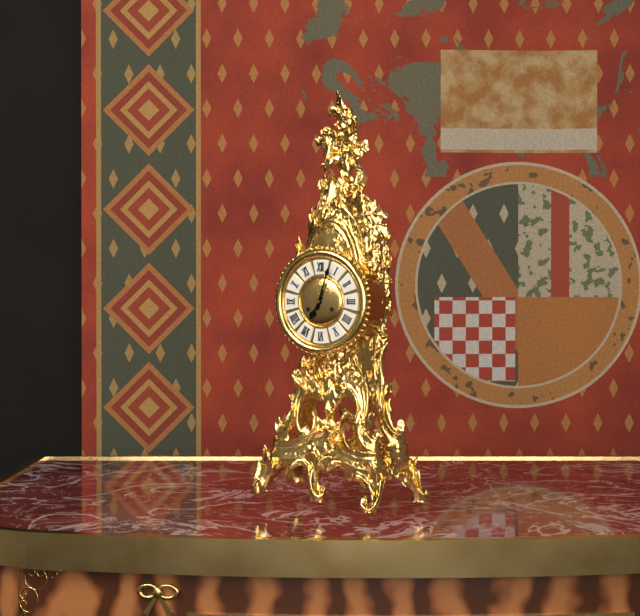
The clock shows 7 h 03 min
